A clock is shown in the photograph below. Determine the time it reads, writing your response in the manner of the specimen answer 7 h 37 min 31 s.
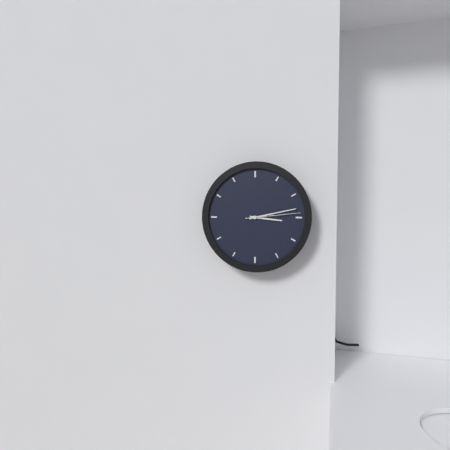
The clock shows 3 h 13 min 14 s
